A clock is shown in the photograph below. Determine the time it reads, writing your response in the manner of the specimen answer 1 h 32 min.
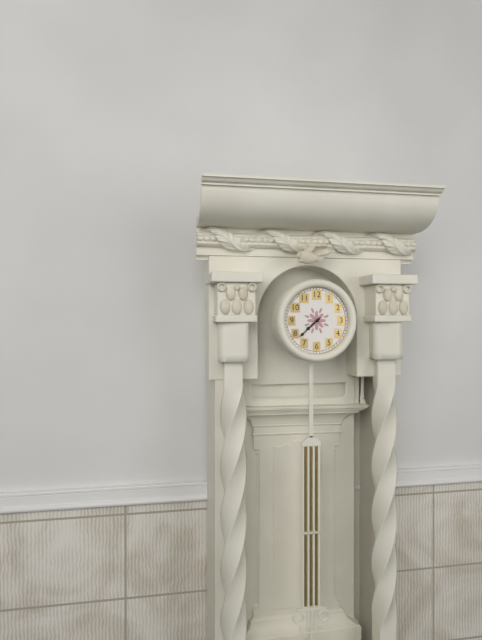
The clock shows 7 h 38 min
